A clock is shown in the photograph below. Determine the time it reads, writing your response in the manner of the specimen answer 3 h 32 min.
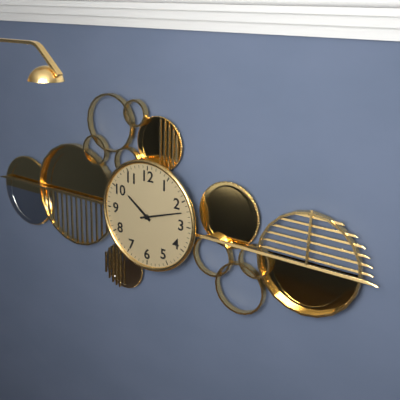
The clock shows 10 h 12 min
